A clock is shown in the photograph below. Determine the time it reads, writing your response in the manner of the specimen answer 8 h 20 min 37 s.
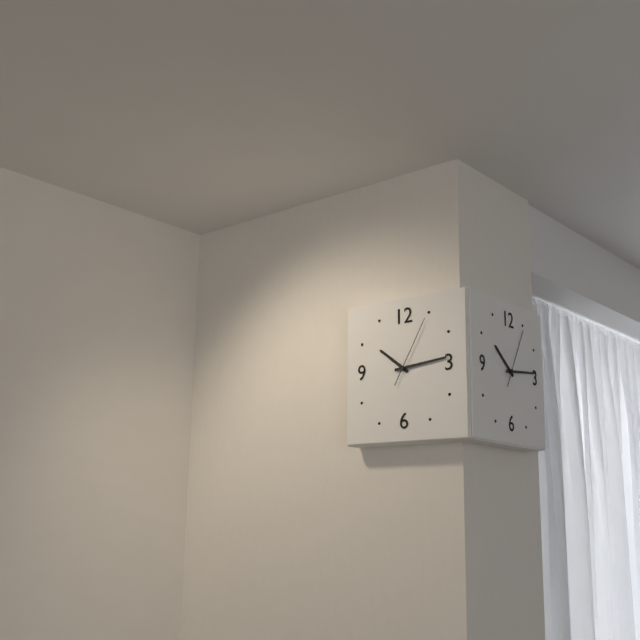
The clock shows 10 h 14 min 05 s
